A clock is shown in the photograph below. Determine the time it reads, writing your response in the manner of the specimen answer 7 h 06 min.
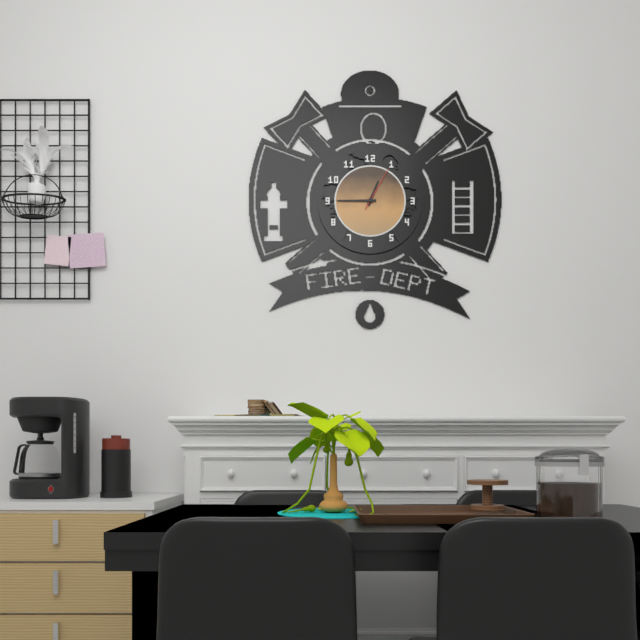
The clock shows 12 h 45 min
